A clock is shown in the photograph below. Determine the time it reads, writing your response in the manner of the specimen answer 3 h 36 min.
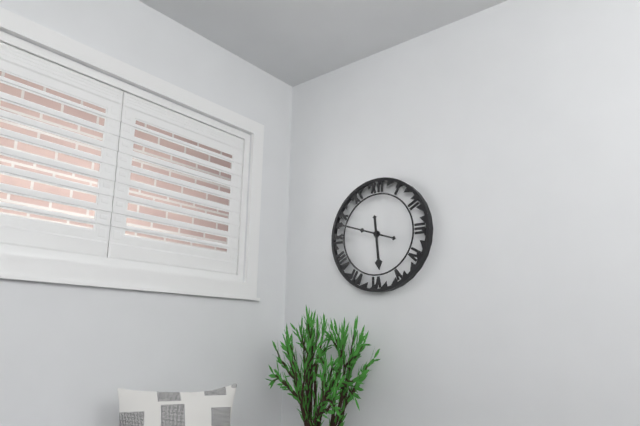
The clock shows 5 h 48 min
